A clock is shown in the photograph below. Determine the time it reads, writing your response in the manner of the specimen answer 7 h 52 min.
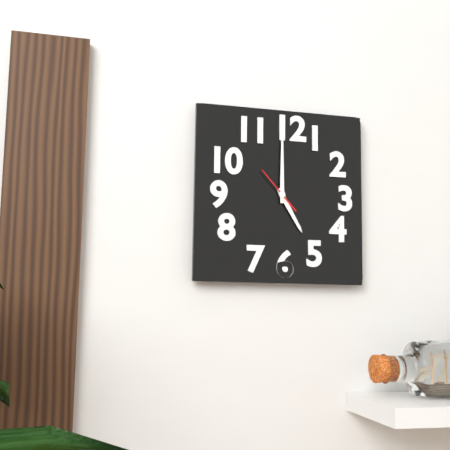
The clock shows 5 h 00 min
